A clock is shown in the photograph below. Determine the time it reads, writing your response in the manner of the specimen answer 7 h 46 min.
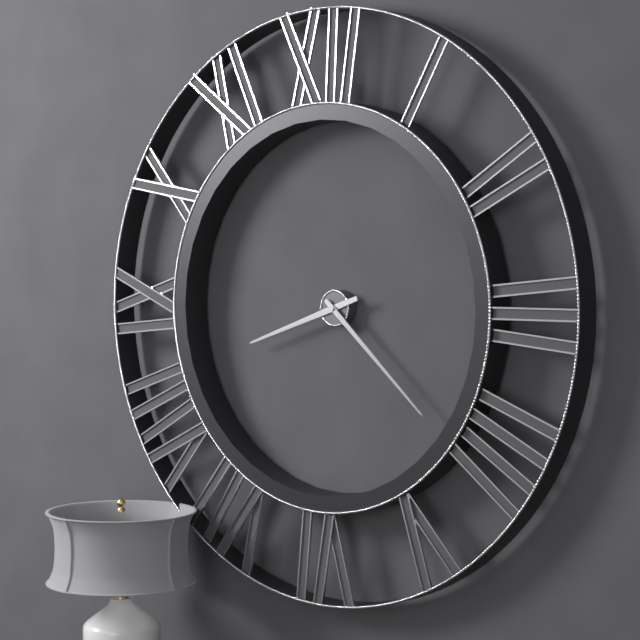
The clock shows 8 h 22 min
